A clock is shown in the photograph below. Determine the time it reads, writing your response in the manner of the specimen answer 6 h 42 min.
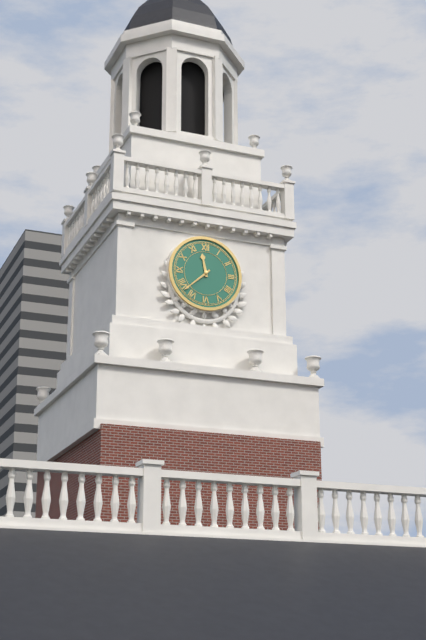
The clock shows 11 h 38 min
